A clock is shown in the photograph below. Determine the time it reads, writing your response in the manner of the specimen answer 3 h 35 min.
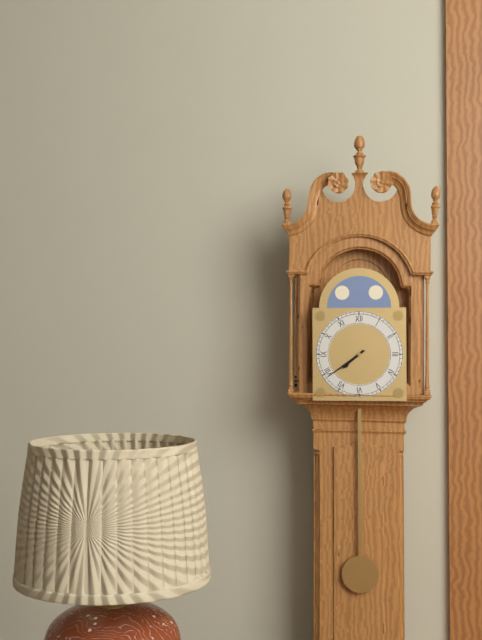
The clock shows 7 h 39 min
